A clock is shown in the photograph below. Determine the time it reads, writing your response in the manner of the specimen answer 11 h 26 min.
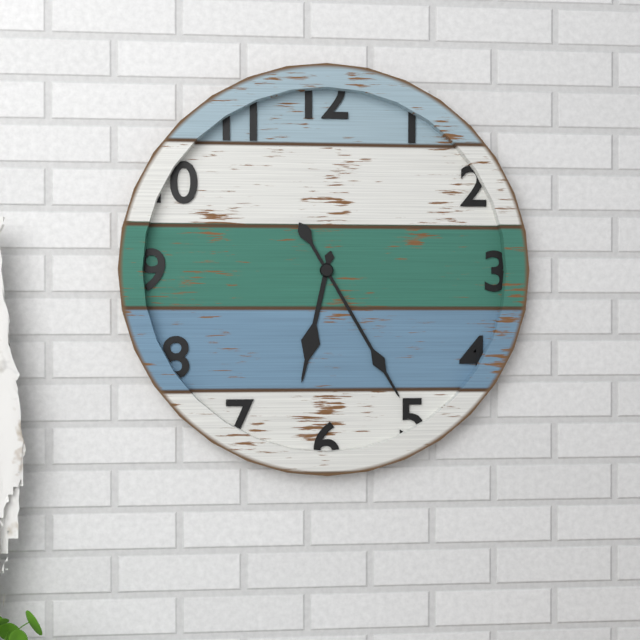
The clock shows 6 h 25 min
